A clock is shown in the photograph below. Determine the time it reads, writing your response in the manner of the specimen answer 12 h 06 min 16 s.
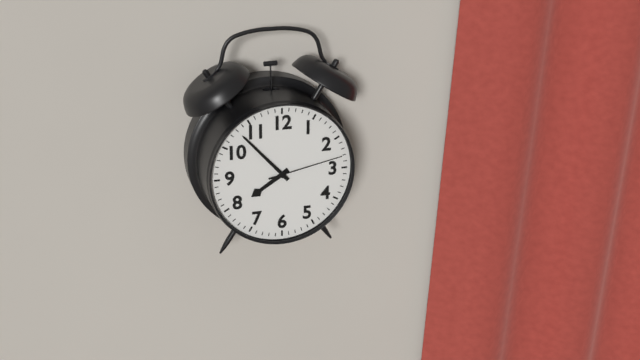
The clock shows 7 h 53 min 13 s
